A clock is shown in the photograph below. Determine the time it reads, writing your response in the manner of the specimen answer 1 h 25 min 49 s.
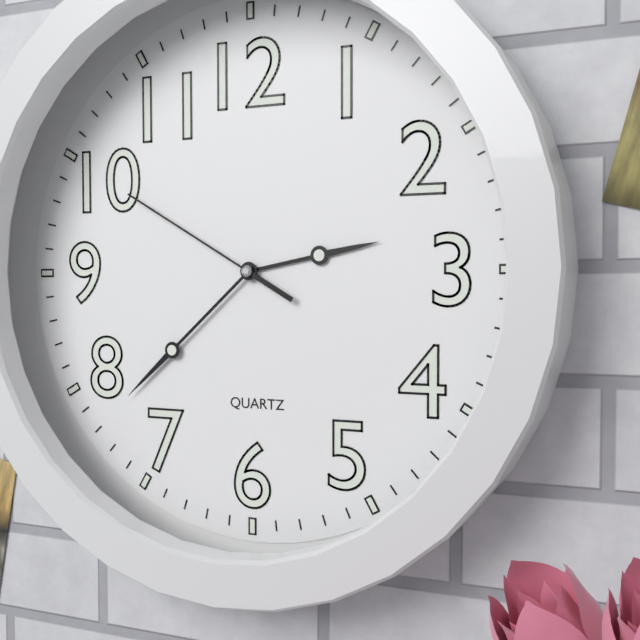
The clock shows 2 h 38 min 50 s
